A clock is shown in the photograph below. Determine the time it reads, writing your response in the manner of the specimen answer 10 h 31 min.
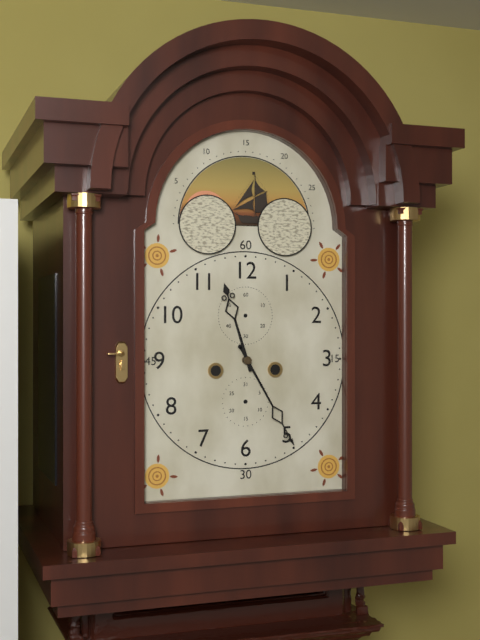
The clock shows 11 h 25 min
